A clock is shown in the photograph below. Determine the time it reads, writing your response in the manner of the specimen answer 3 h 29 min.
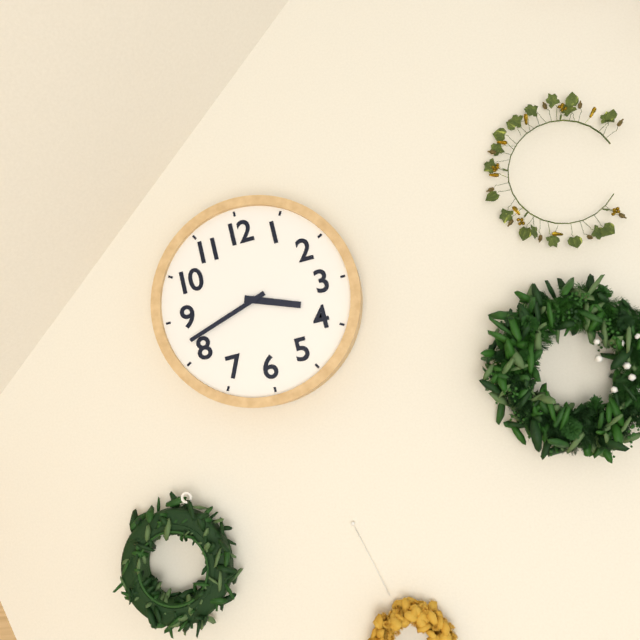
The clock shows 3 h 42 min
